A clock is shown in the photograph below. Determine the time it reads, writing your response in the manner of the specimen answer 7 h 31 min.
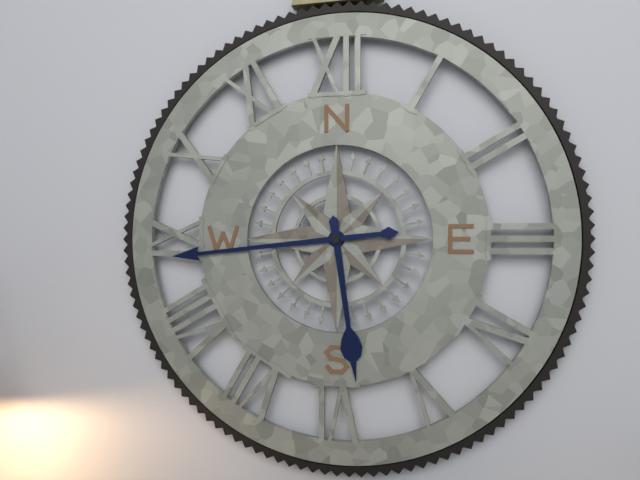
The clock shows 5 h 44 min
